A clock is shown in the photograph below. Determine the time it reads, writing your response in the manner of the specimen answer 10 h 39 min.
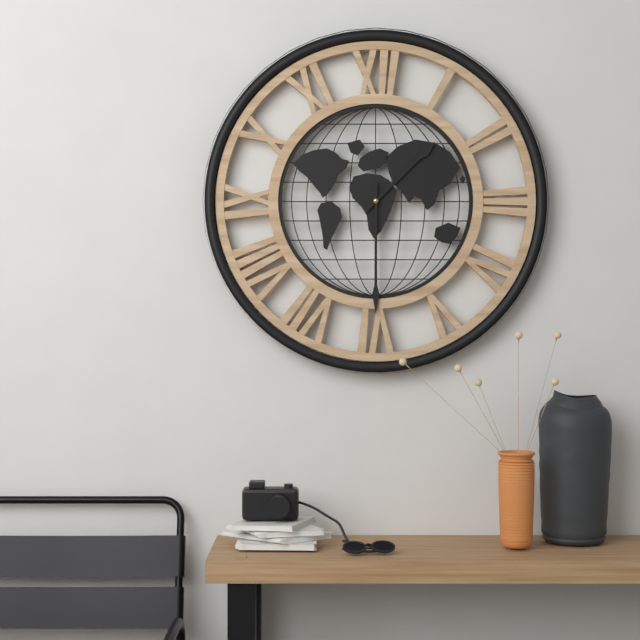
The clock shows 1 h 30 min
